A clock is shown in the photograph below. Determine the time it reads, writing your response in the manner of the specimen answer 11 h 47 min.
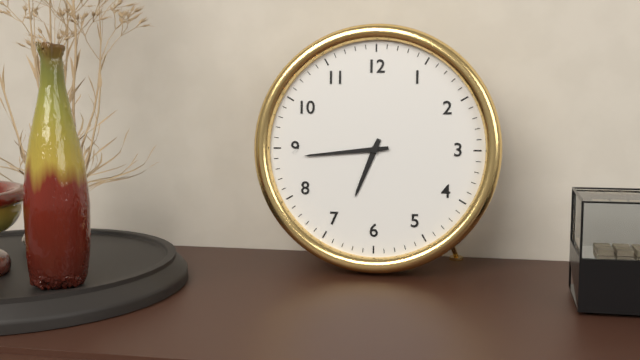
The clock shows 6 h 44 min
